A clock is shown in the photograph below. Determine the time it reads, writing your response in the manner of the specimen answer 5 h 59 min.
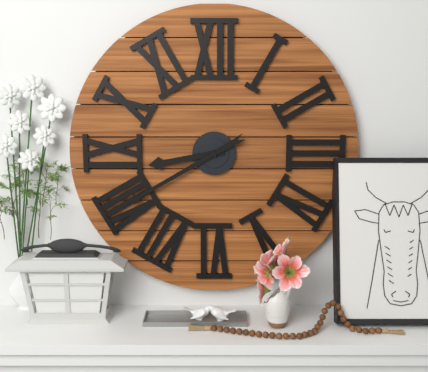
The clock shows 8 h 40 min
